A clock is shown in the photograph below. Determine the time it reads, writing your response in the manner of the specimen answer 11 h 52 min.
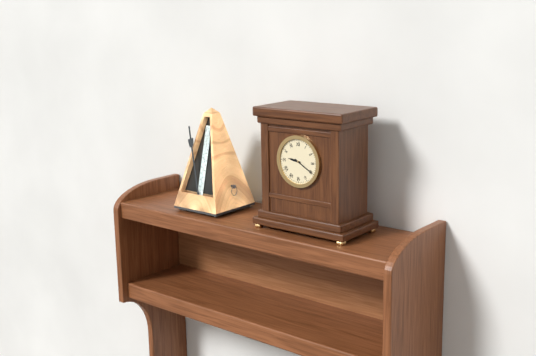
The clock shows 9 h 20 min
